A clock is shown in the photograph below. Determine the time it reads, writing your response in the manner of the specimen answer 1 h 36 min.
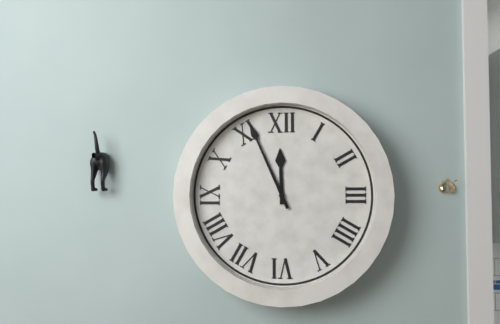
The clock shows 11 h 56 min
